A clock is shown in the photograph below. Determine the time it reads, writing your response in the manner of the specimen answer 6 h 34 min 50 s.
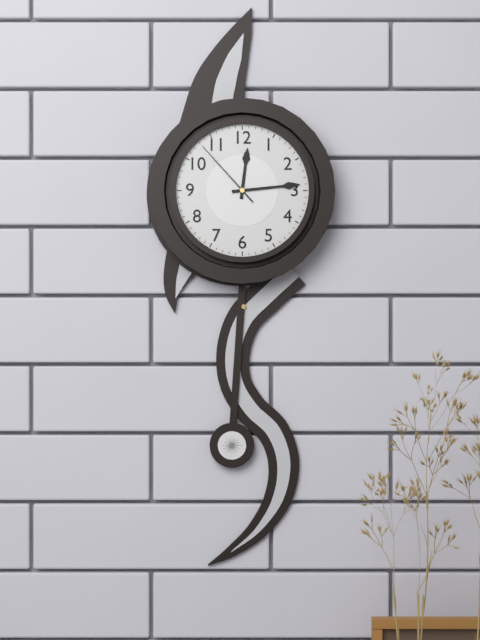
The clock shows 12 h 14 min 53 s
